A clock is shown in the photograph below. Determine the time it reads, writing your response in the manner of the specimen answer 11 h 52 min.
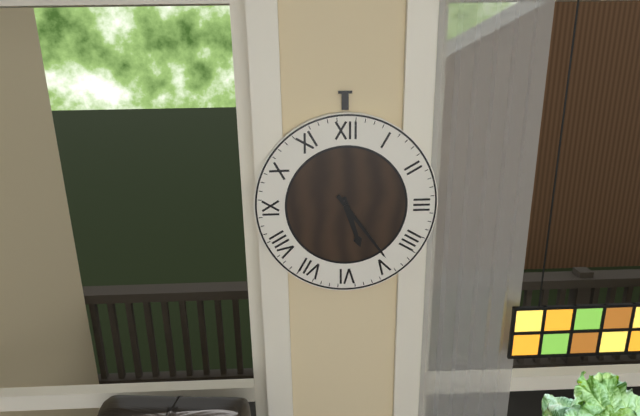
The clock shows 5 h 24 min
